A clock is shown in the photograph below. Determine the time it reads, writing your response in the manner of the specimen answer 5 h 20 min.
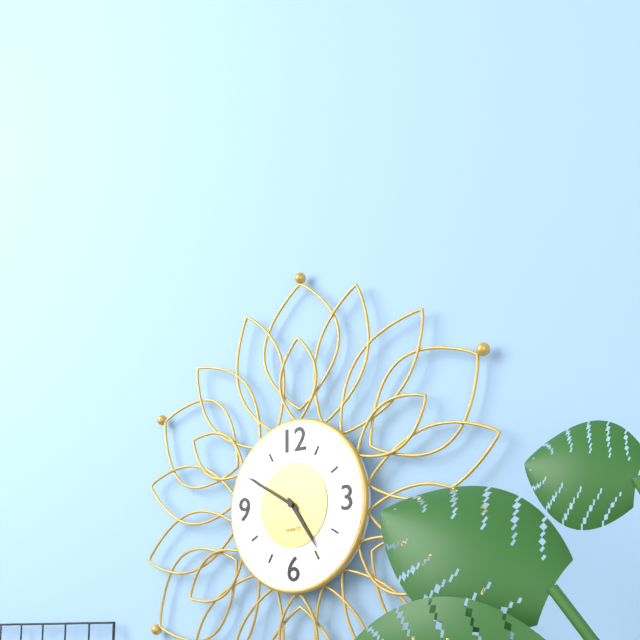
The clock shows 4 h 50 min
